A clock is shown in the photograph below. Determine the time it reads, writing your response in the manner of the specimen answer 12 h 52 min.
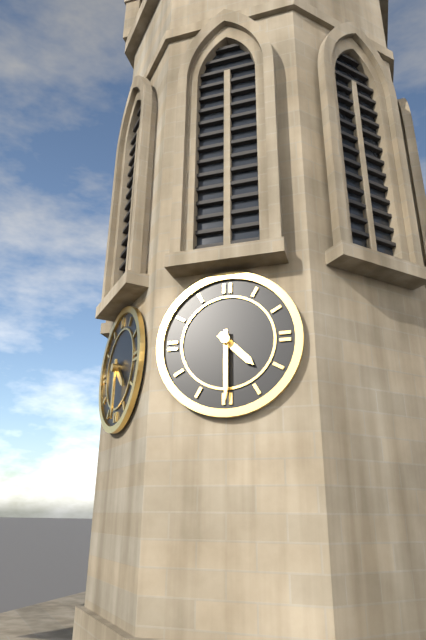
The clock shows 4 h 30 min
